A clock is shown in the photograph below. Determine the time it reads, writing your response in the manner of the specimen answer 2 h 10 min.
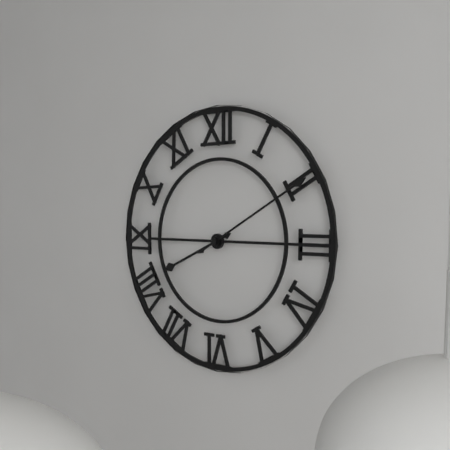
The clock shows 8 h 10 min
